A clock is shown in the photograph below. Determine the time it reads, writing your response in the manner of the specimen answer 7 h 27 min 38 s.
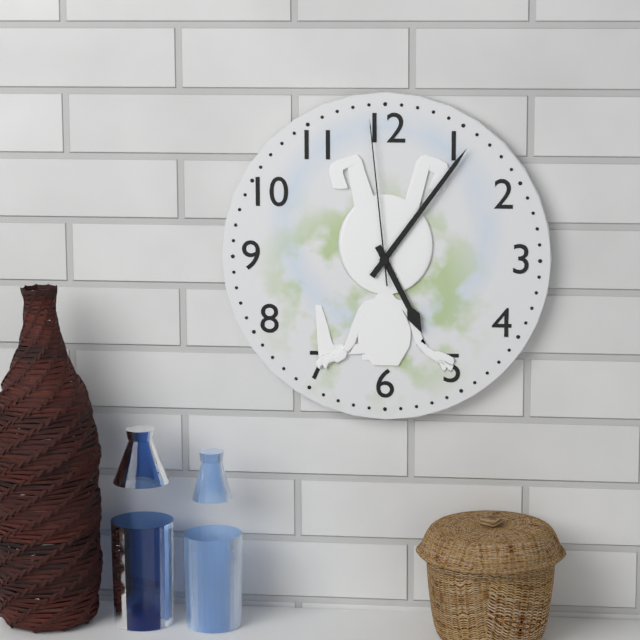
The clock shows 5 h 06 min 59 s
